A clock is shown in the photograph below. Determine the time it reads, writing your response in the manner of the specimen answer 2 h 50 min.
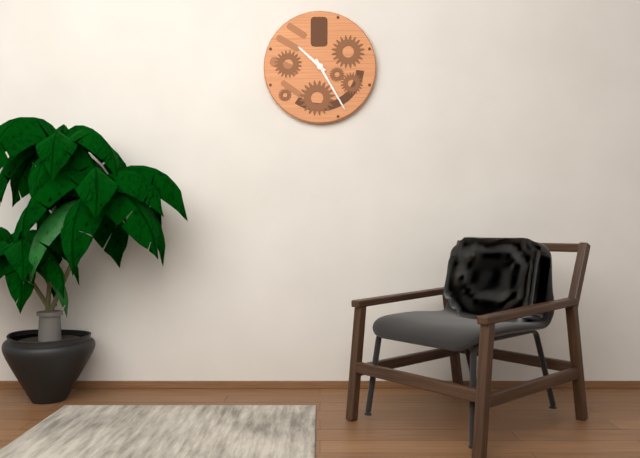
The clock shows 10 h 25 min
